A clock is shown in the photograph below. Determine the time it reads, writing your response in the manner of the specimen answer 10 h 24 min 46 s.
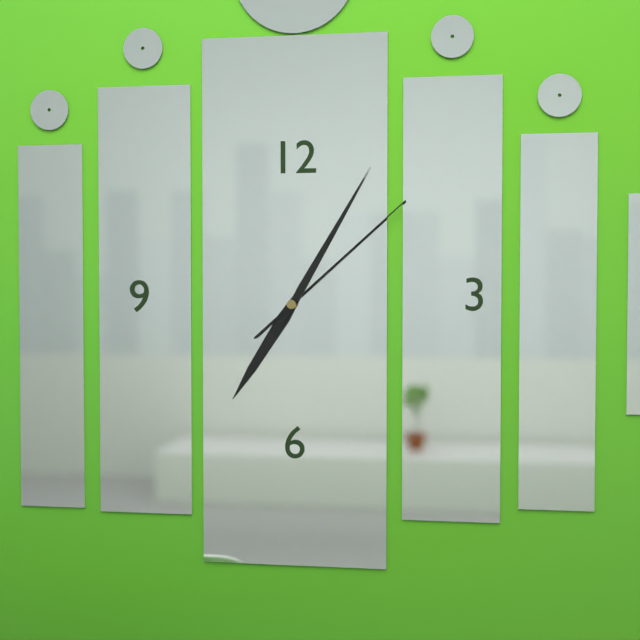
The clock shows 7 h 05 min 08 s
